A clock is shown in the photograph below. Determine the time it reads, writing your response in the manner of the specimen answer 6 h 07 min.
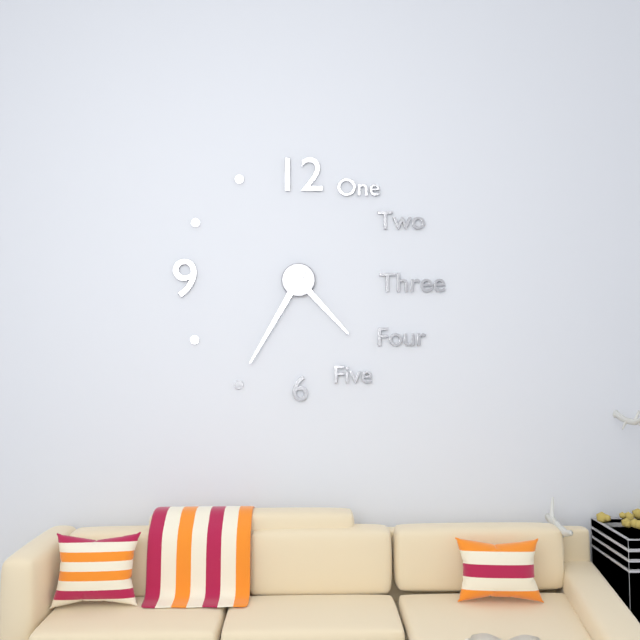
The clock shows 4 h 35 min
